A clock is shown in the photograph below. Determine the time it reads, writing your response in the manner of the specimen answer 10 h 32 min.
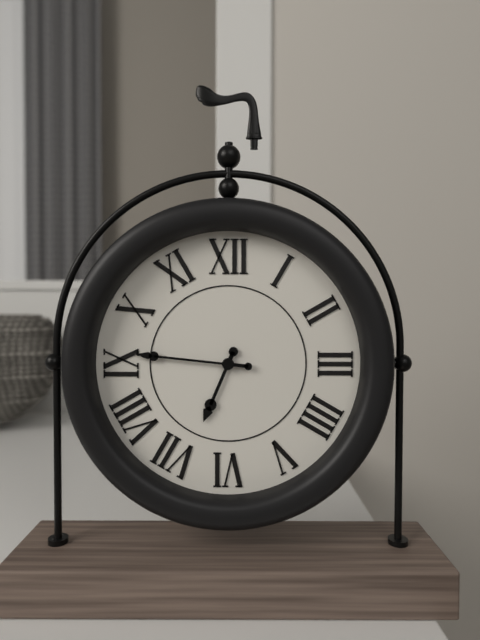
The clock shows 6 h 46 min
